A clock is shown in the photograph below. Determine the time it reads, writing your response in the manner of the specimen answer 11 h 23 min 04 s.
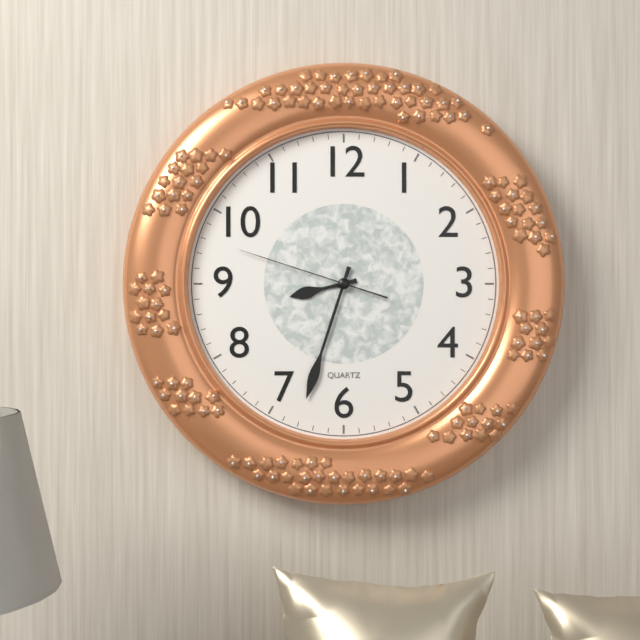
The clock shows 8 h 33 min 48 s
